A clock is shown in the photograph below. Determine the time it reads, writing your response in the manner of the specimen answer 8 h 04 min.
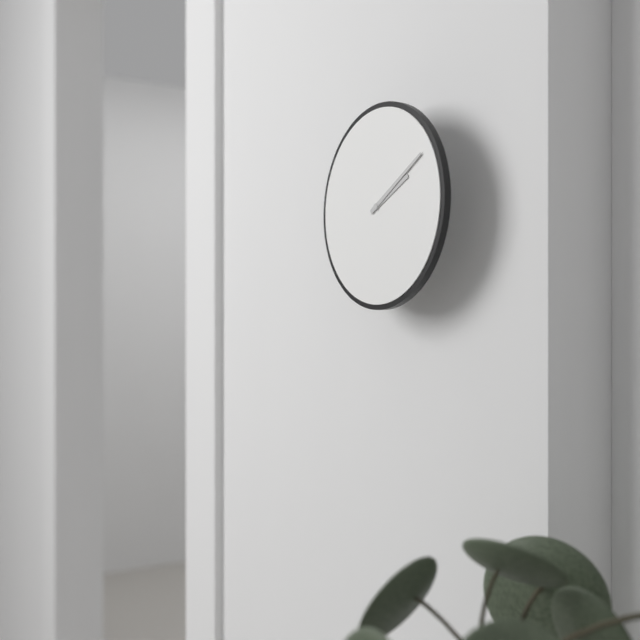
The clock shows 2 h 10 min
